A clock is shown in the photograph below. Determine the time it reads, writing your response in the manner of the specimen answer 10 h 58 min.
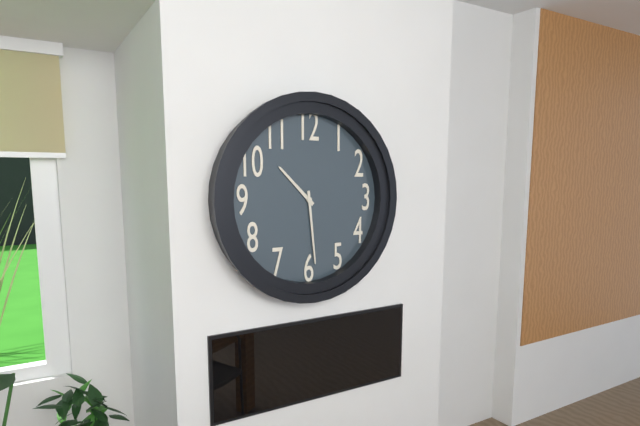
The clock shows 10 h 29 min
